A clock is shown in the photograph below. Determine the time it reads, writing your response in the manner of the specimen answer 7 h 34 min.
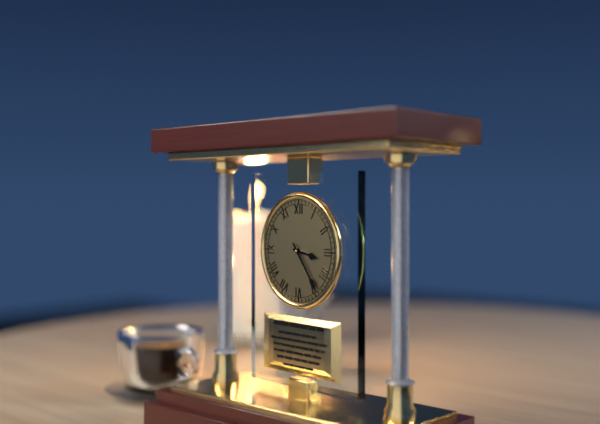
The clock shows 3 h 24 min
